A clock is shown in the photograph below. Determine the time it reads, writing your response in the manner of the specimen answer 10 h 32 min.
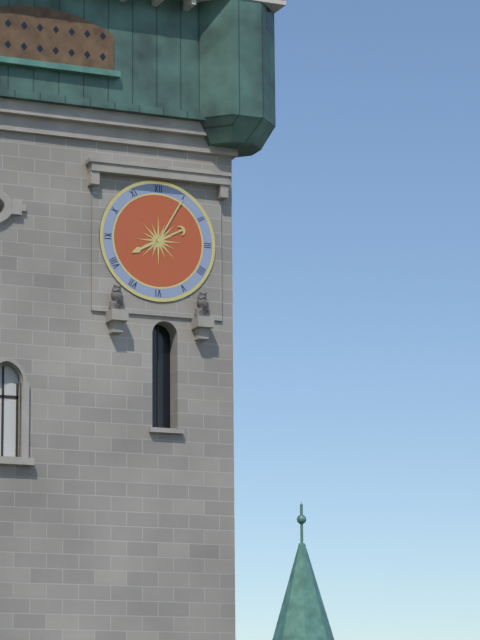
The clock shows 8 h 05 min
